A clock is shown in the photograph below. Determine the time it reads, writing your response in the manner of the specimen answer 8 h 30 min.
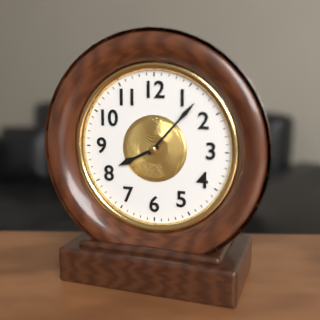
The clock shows 8 h 07 min
